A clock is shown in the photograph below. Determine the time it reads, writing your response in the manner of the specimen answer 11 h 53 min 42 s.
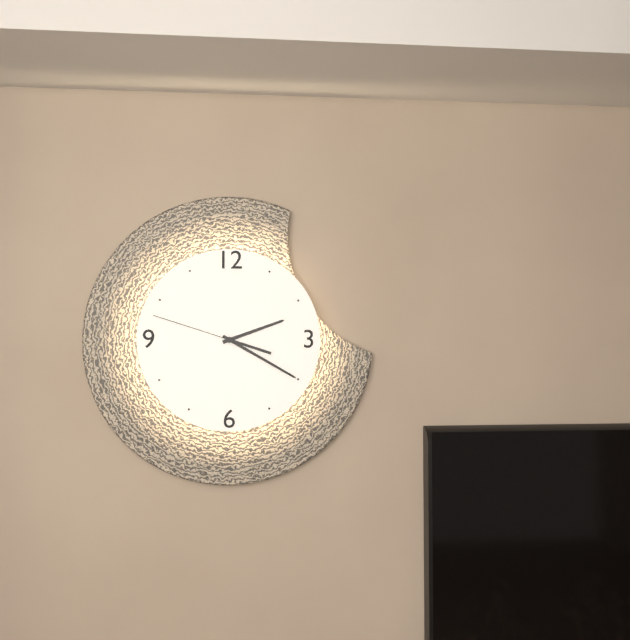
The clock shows 2 h 20 min 48 s
